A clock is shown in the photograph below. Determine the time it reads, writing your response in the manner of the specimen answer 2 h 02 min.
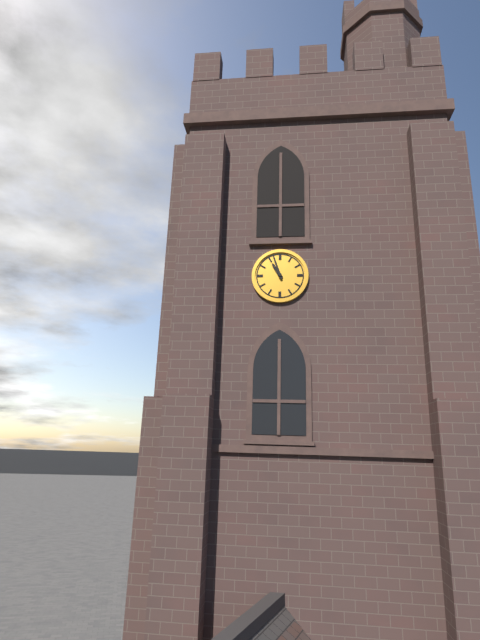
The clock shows 10 h 57 min
